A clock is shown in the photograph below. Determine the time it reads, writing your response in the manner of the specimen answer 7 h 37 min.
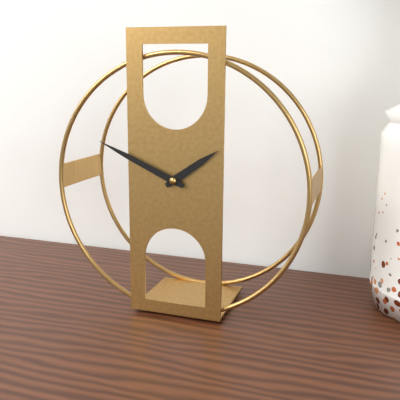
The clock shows 1 h 49 min
